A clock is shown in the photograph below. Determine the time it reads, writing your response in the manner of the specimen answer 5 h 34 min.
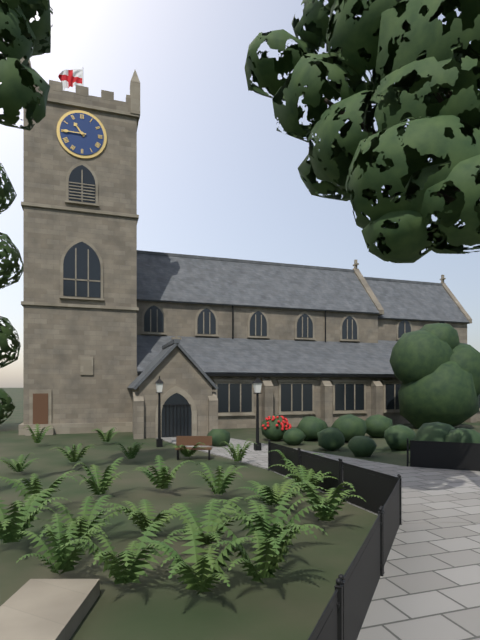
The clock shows 10 h 45 min
